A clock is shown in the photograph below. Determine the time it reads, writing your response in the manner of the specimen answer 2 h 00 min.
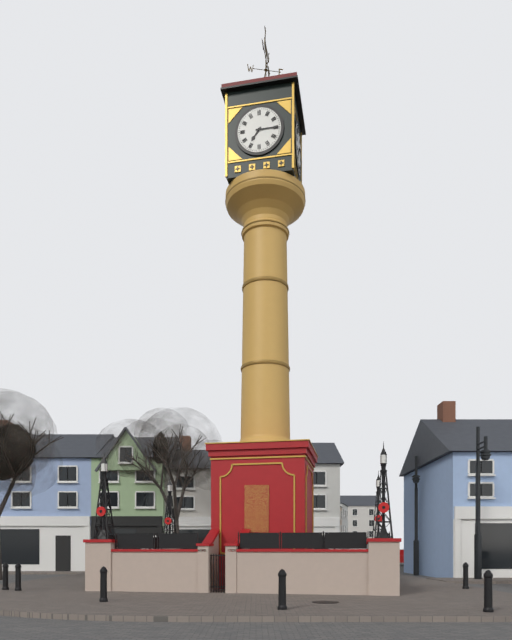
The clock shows 7 h 15 min
